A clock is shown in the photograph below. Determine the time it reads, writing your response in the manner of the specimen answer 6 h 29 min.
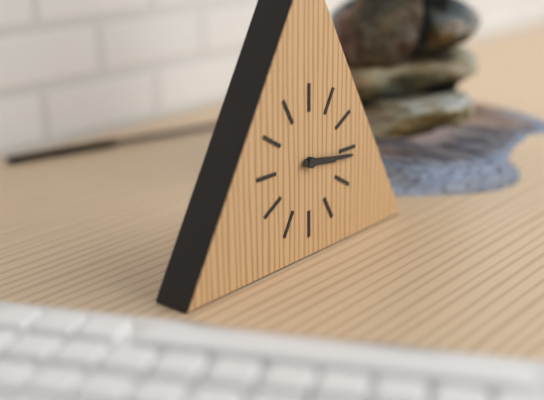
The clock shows 3 h 16 min
